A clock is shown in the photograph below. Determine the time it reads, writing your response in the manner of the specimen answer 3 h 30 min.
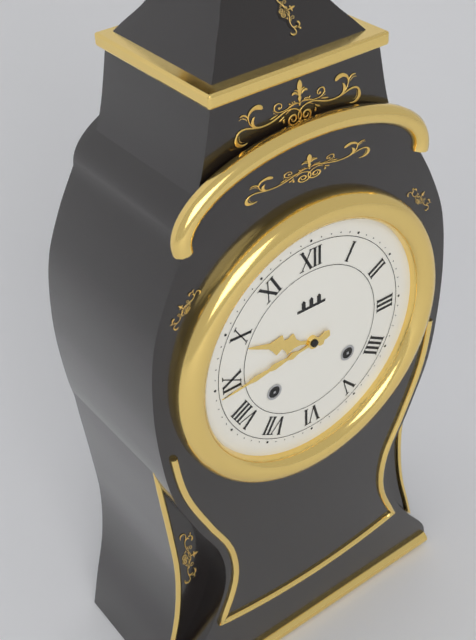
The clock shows 9 h 44 min
